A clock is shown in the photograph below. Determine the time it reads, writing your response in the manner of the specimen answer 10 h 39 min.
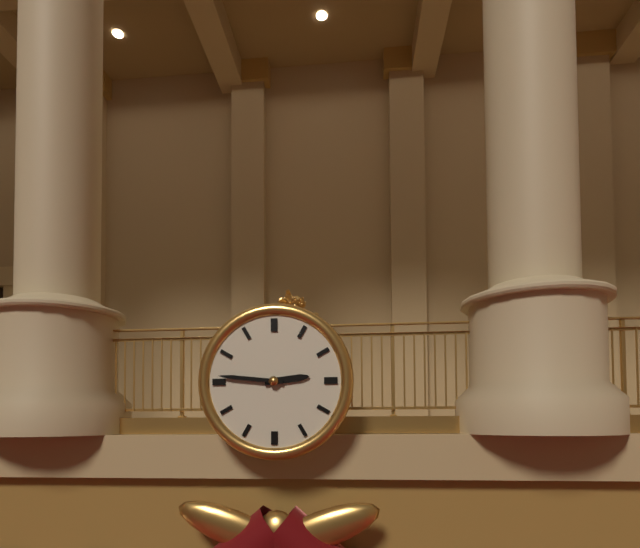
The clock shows 2 h 46 min
